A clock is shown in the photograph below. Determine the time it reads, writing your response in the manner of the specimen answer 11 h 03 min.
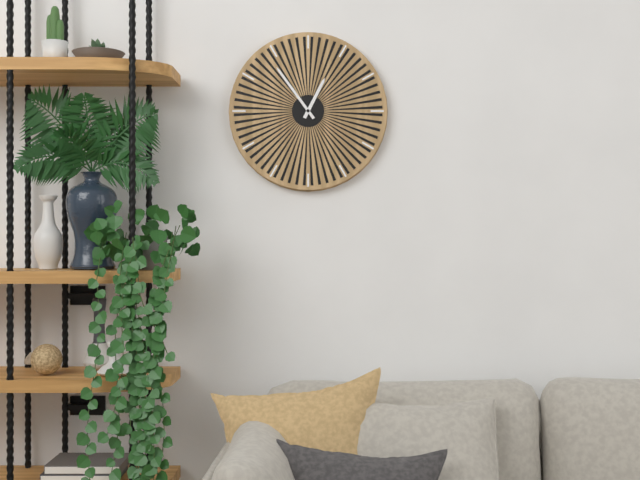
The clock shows 12 h 54 min
